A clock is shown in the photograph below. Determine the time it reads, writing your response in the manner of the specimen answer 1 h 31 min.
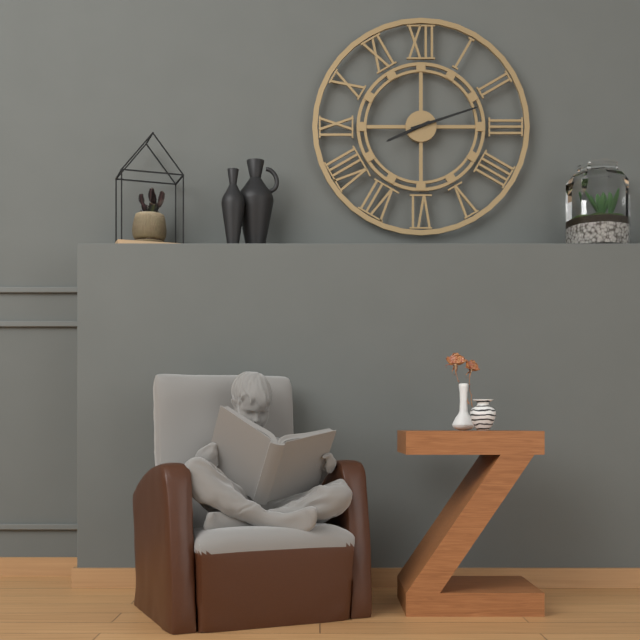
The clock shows 8 h 12 min
